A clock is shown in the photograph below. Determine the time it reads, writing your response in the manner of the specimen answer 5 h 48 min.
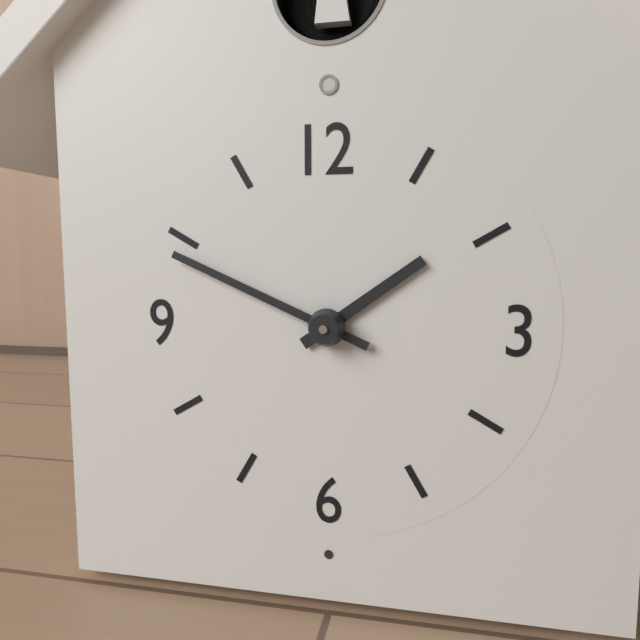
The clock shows 1 h 49 min
